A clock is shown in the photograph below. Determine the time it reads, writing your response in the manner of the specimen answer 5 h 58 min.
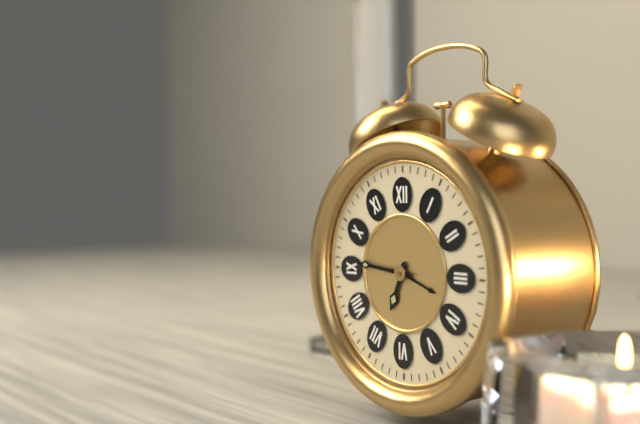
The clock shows 6 h 46 min
